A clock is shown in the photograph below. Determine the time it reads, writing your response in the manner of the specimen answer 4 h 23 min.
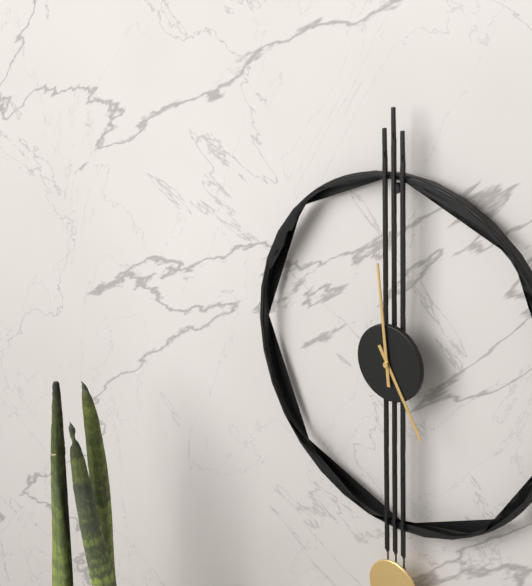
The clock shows 4 h 59 min
